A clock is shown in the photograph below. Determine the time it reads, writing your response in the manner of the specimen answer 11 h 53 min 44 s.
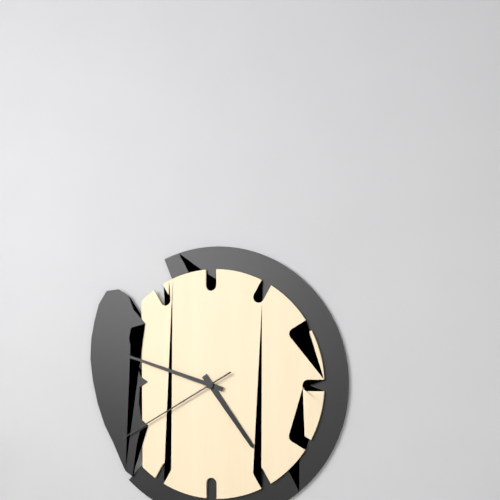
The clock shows 4 h 48 min 40 s
